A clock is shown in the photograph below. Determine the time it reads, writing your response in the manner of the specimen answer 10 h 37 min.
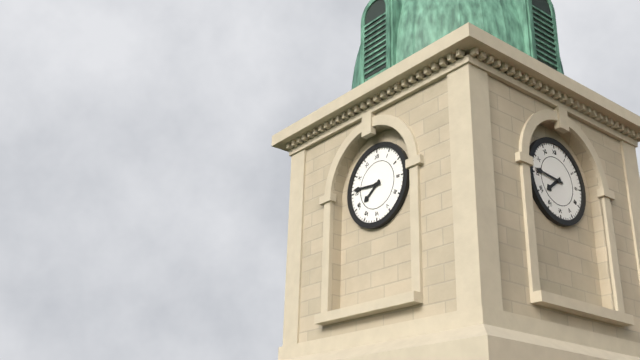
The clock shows 7 h 46 min
